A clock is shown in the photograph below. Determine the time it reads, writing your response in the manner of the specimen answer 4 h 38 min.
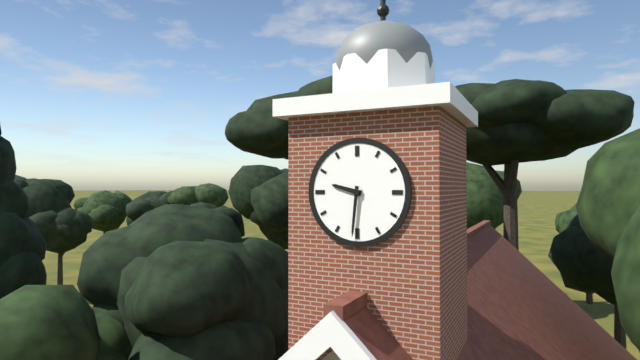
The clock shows 9 h 31 min
